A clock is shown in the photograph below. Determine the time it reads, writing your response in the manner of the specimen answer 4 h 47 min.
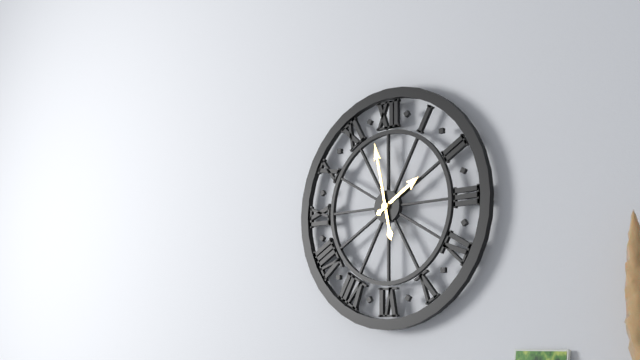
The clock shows 1 h 58 min
